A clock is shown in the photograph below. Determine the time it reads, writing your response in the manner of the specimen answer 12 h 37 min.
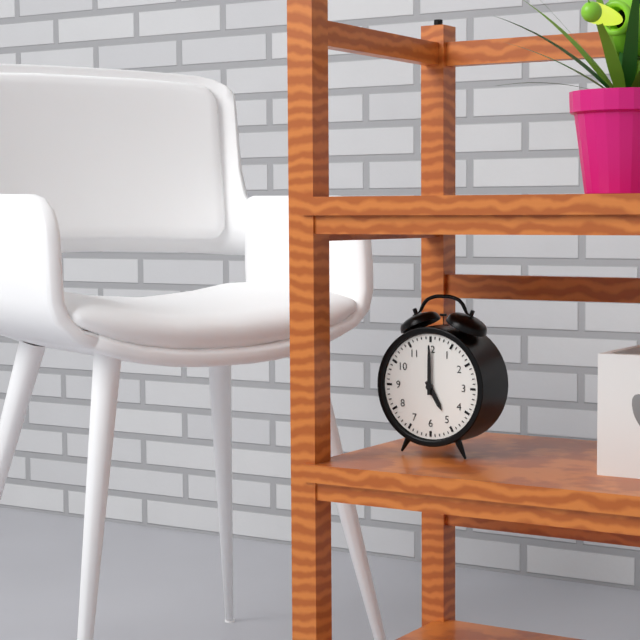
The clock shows 5 h 00 min
